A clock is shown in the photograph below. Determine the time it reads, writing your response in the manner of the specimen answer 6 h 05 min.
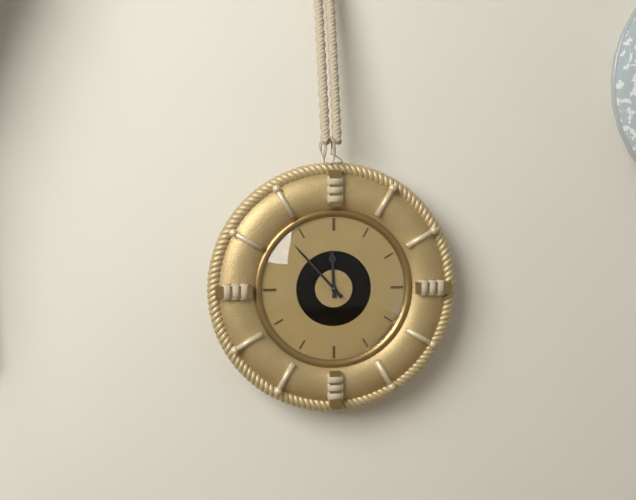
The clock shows 11 h 53 min
